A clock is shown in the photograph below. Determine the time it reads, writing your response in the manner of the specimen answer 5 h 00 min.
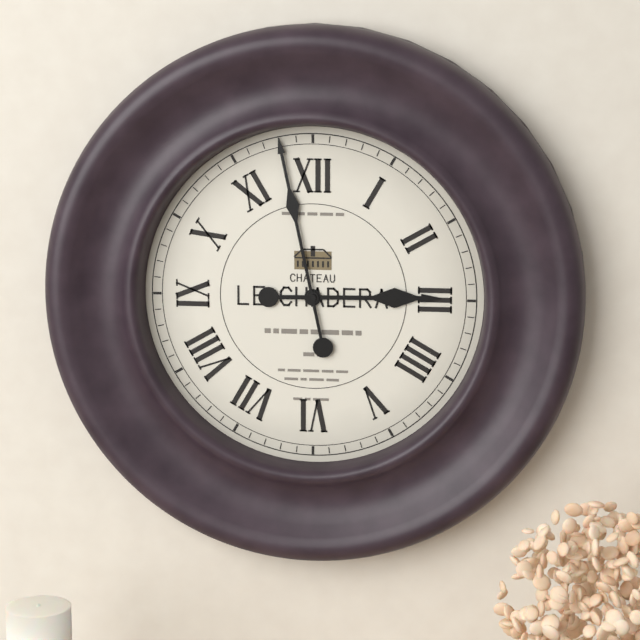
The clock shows 2 h 58 min
